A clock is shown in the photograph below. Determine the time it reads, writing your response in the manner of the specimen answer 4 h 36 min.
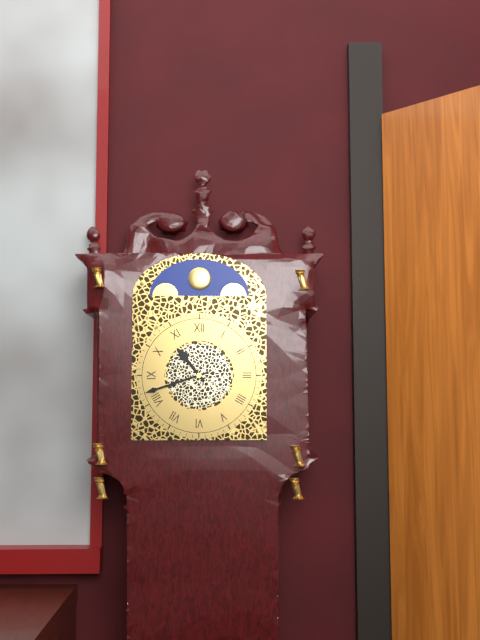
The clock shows 10 h 42 min
